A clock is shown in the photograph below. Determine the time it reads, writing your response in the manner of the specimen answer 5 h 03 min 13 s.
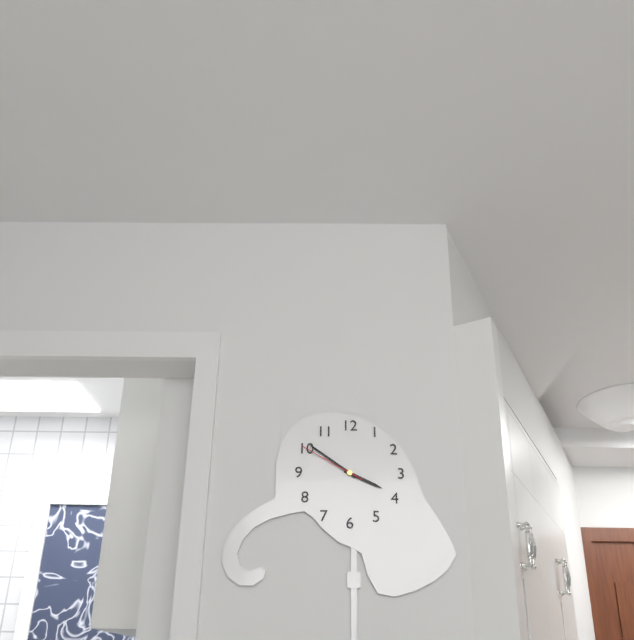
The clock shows 3 h 51 min 50 s
